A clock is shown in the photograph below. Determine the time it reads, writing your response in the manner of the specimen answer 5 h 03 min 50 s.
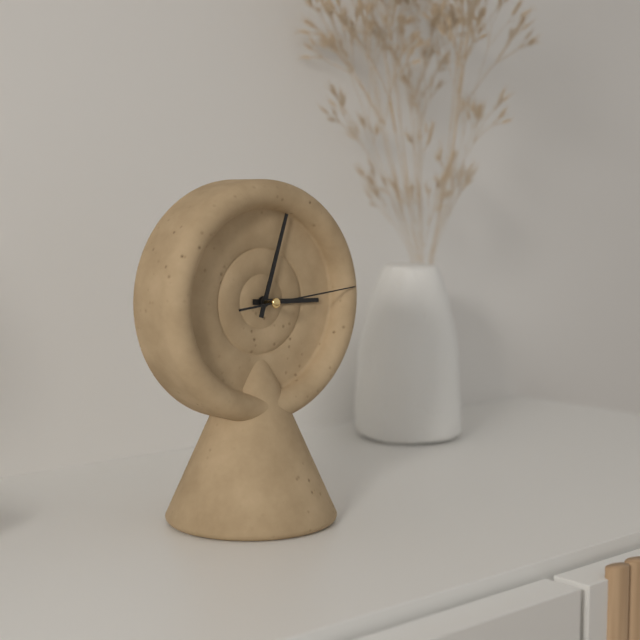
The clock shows 3 h 03 min 14 s
